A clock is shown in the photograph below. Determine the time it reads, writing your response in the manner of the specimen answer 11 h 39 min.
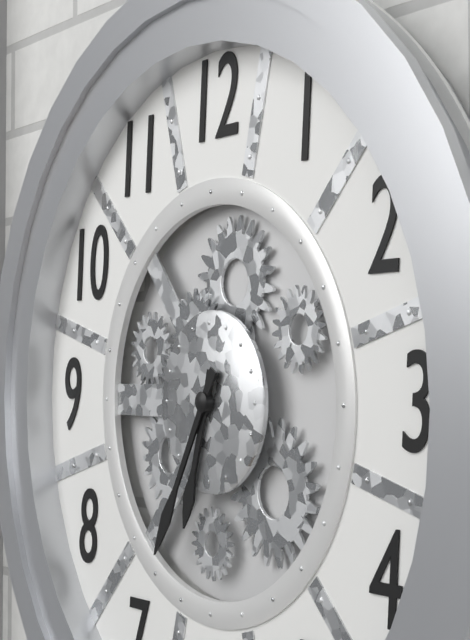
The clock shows 6 h 35 min
